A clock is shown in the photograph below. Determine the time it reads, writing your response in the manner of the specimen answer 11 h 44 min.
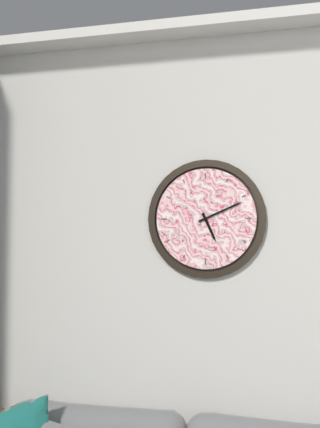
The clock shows 5 h 11 min
